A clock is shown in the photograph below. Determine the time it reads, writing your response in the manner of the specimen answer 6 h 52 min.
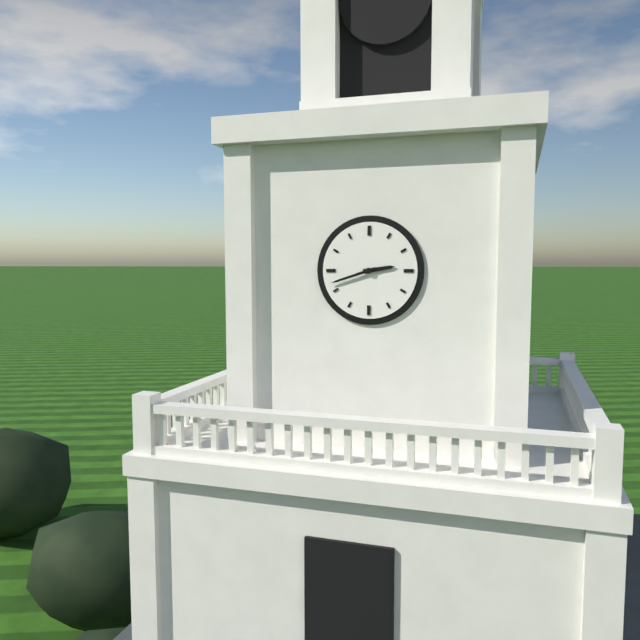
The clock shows 2 h 42 min
